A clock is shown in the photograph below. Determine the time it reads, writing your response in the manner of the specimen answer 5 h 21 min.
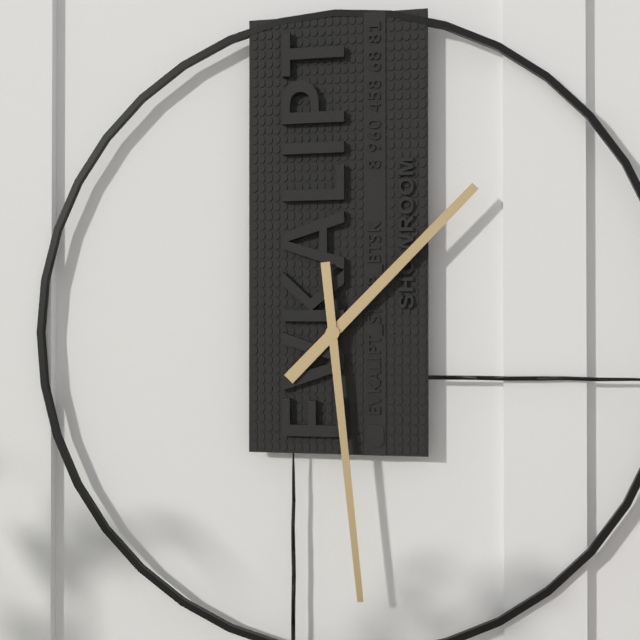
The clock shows 1 h 29 min
